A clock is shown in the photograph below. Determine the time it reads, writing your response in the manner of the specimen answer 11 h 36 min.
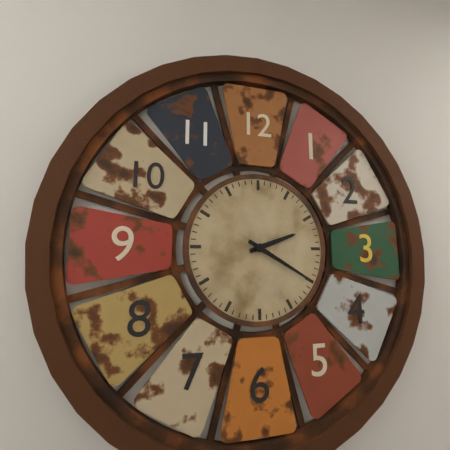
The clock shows 2 h 20 min
